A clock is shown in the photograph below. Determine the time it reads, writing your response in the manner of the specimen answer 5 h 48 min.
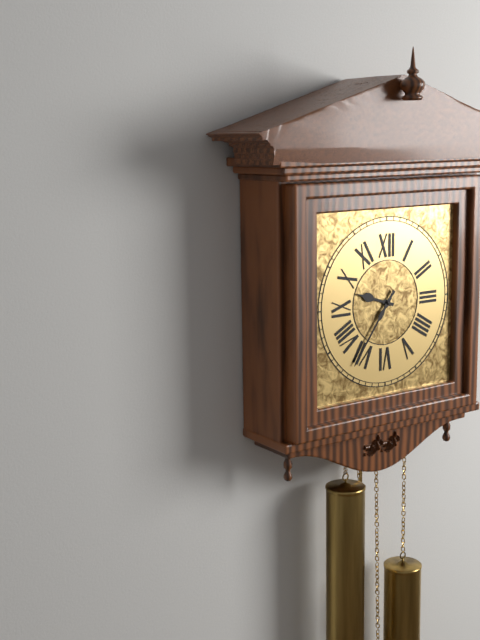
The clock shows 9 h 36 min
